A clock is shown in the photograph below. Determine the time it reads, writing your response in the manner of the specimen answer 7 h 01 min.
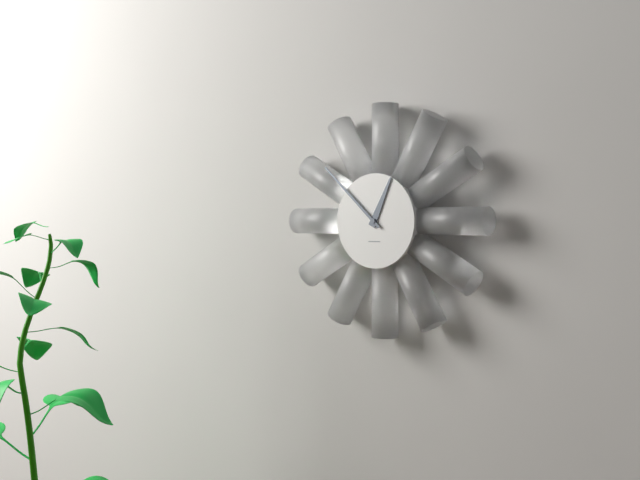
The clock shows 12 h 52 min
